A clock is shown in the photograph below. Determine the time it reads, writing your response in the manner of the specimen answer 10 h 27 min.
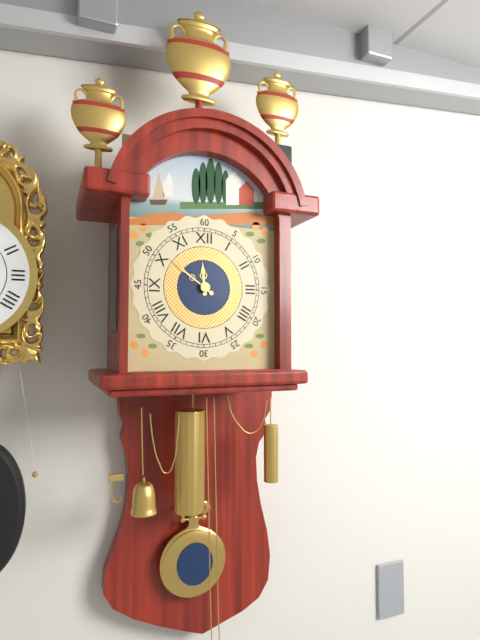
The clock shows 11 h 51 min
